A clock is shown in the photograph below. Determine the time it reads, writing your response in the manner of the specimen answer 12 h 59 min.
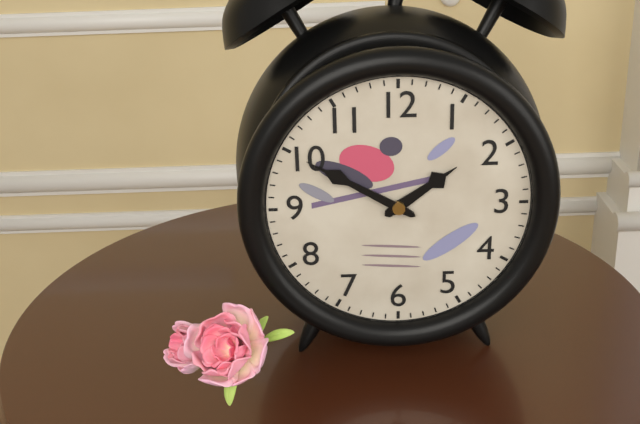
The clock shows 1 h 50 min
